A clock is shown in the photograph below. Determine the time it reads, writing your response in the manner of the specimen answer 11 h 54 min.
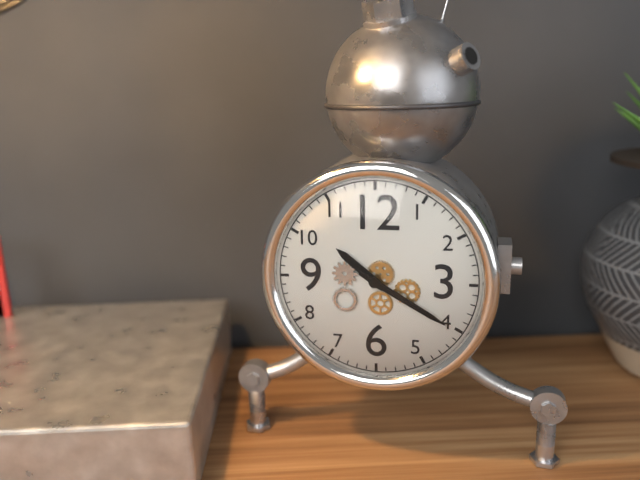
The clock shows 10 h 20 min
